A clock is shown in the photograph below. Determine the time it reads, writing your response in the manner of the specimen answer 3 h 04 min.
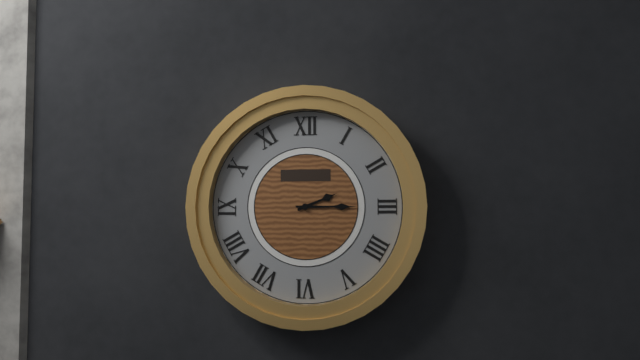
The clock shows 2 h 15 min
